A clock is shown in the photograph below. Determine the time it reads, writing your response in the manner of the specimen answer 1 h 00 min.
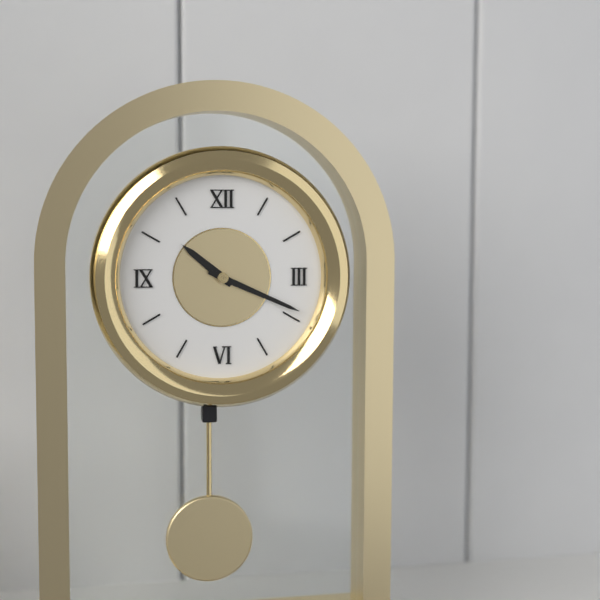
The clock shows 10 h 19 min
